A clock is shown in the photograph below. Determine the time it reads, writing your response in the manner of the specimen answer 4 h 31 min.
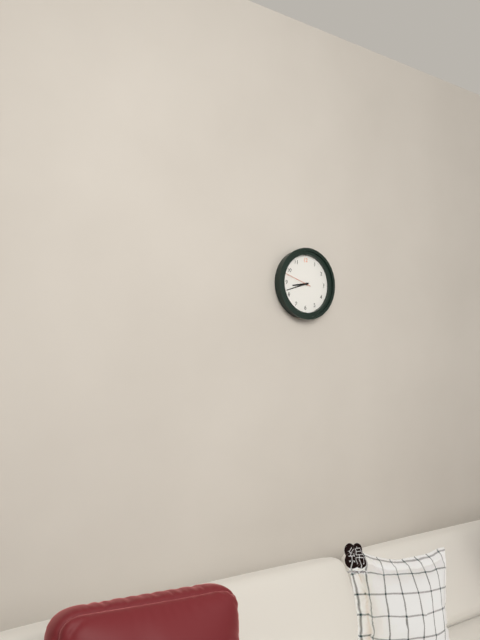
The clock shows 8 h 42 min
